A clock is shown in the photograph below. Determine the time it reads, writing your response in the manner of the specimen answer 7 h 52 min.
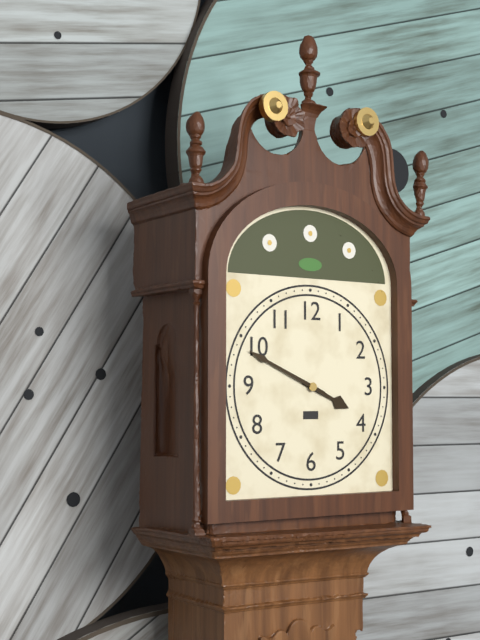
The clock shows 3 h 49 min
